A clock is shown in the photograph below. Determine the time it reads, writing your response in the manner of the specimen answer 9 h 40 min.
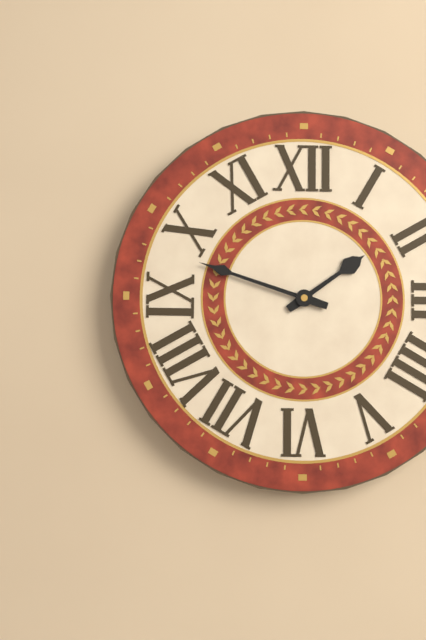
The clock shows 1 h 48 min
